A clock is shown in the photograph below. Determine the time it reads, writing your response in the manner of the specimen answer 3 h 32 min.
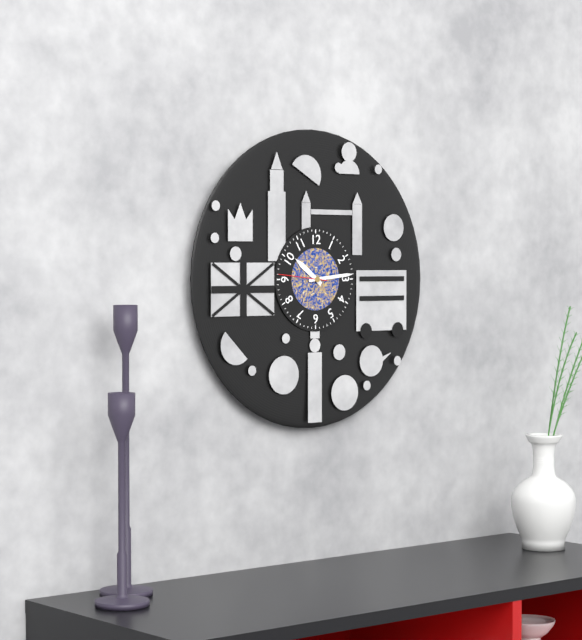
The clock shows 10 h 14 min
